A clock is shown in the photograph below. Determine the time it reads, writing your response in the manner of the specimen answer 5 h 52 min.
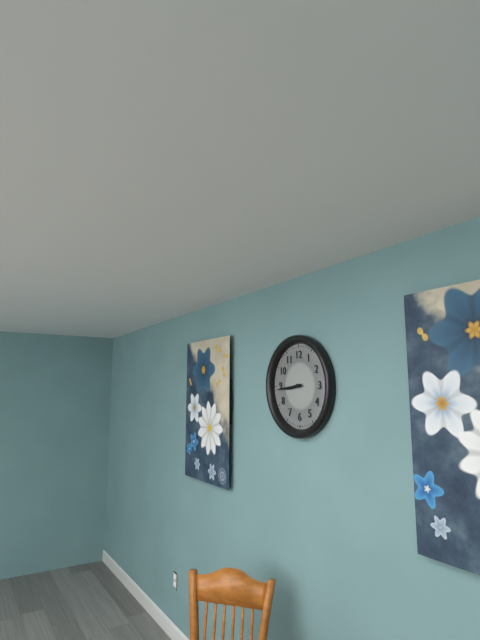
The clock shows 8 h 44 min
